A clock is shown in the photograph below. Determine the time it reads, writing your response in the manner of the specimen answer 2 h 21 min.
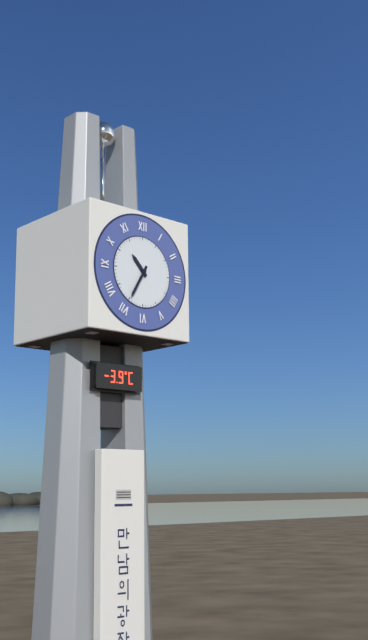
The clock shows 10 h 35 min
